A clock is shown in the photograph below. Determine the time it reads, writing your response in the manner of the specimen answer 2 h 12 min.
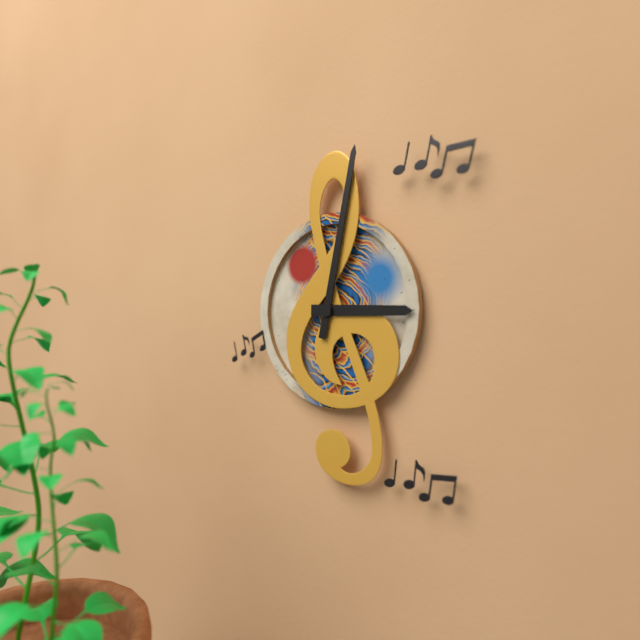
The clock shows 3 h 02 min
